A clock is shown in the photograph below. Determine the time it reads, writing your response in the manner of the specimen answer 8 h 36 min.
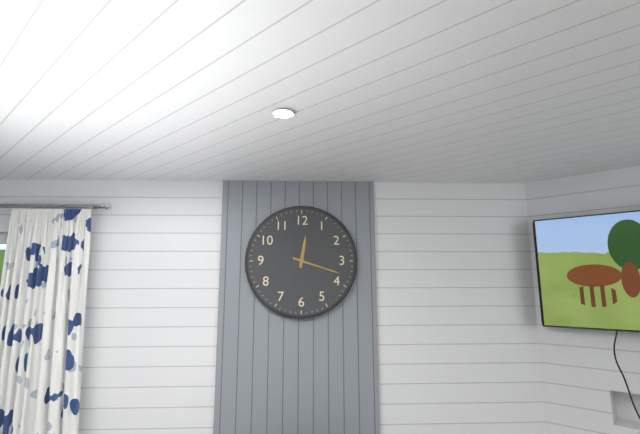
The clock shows 12 h 18 min
